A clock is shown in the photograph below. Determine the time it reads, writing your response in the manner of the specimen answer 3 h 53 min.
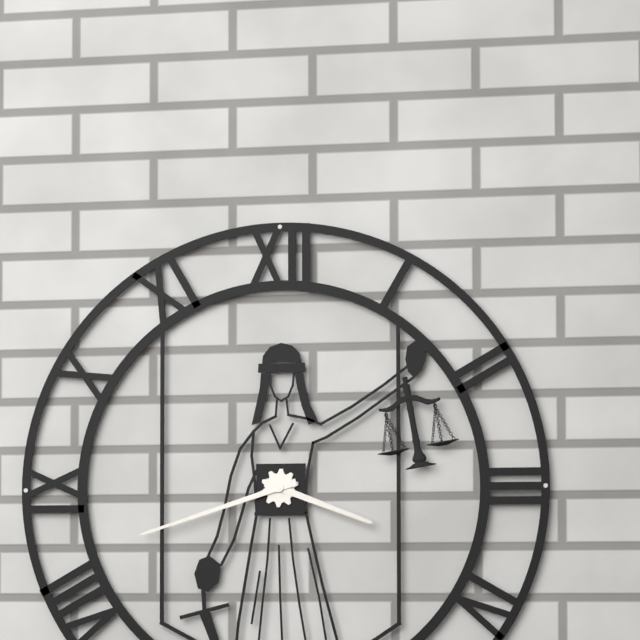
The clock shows 3 h 42 min
